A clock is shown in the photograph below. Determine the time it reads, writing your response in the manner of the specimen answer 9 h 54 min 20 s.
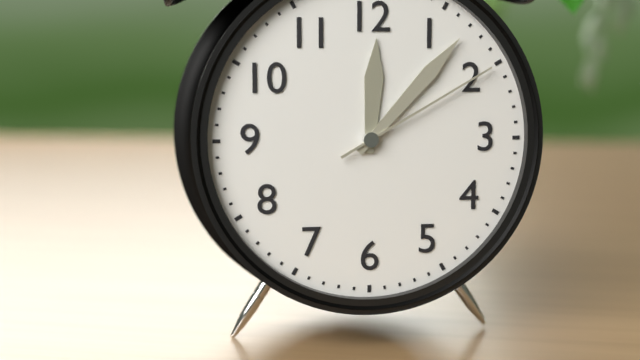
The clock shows 12 h 07 min 10 s
